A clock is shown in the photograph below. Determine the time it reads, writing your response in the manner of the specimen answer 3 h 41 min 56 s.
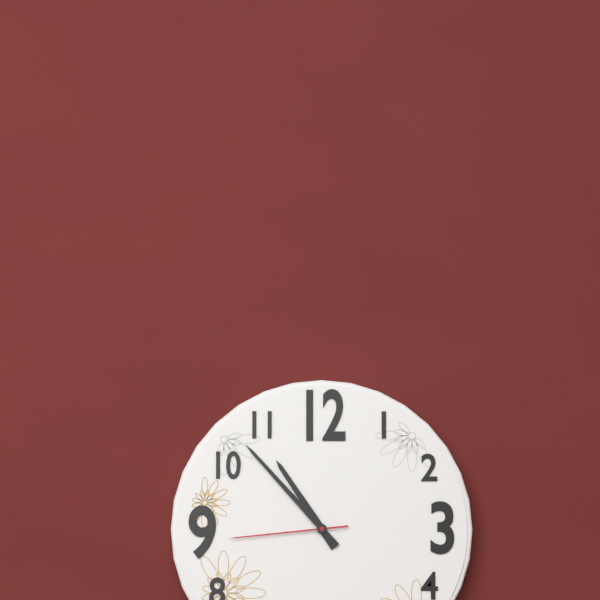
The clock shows 10 h 53 min 44 s
